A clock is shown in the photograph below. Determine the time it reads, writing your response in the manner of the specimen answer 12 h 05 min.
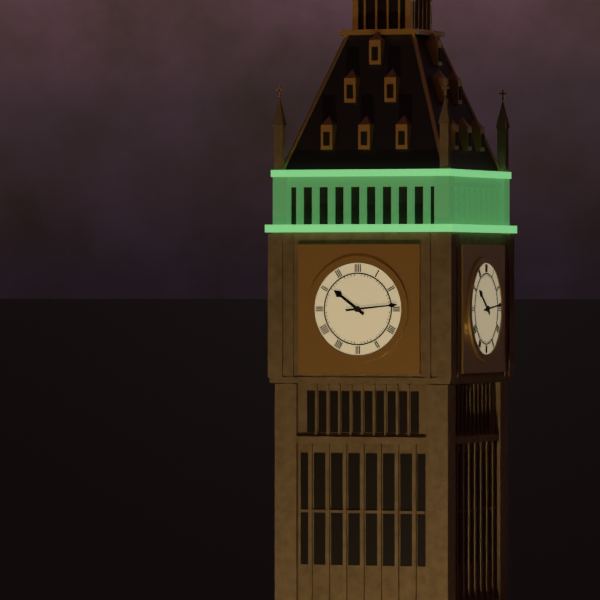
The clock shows 10 h 14 min
